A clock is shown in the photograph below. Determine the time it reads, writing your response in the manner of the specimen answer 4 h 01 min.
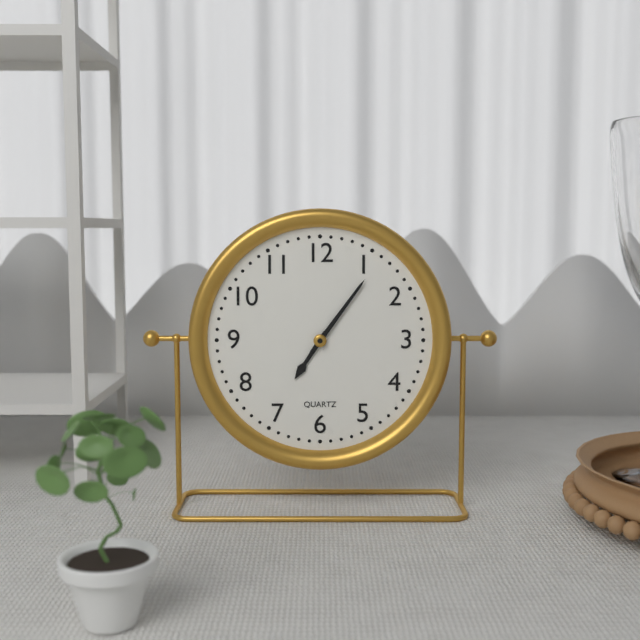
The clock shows 7 h 06 min
